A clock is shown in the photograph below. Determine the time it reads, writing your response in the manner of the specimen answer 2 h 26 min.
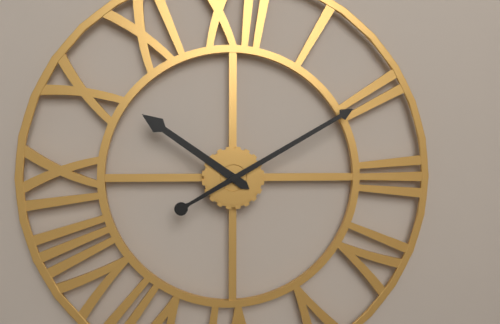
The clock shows 10 h 10 min
